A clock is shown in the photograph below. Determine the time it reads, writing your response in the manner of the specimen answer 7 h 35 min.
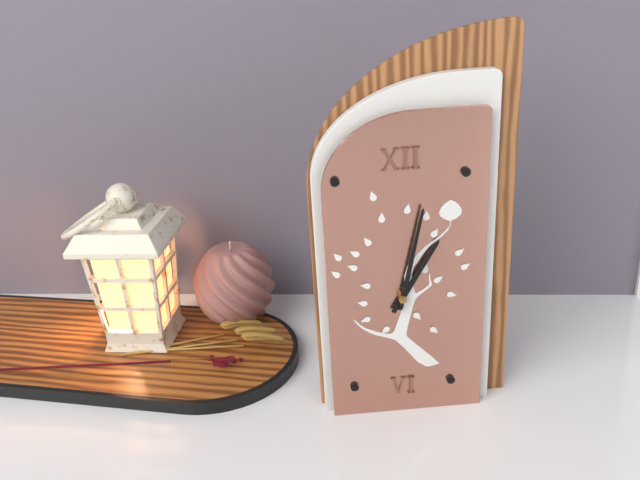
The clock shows 1 h 02 min
